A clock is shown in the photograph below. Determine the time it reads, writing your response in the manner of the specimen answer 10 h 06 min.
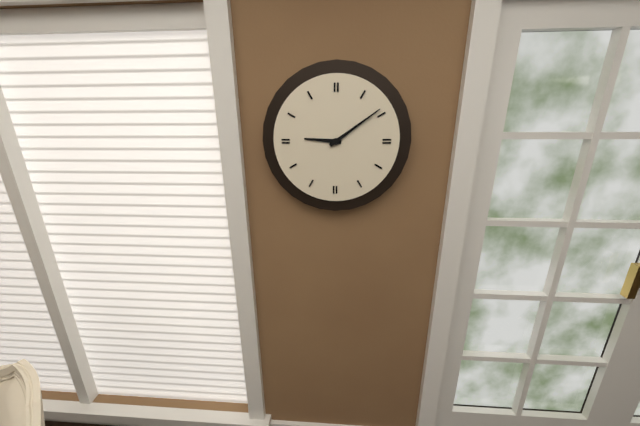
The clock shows 9 h 09 min
